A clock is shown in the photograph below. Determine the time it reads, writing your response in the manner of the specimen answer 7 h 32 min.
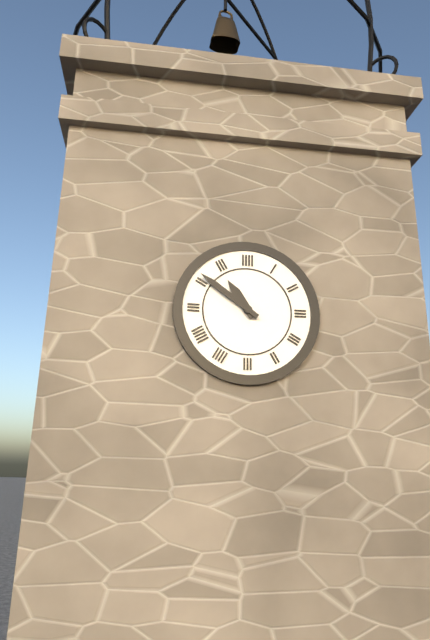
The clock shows 10 h 51 min
